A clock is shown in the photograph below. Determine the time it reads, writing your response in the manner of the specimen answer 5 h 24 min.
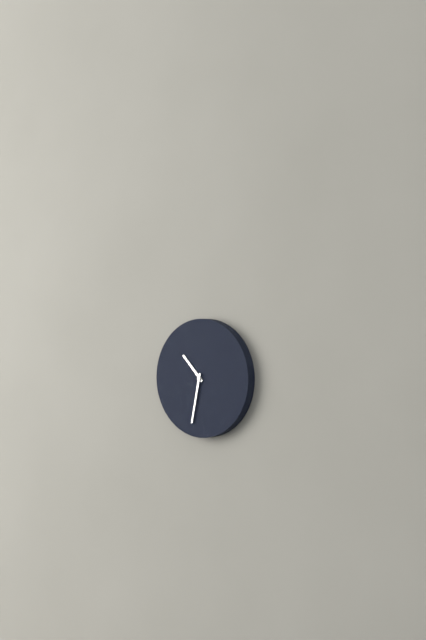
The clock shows 10 h 32 min
